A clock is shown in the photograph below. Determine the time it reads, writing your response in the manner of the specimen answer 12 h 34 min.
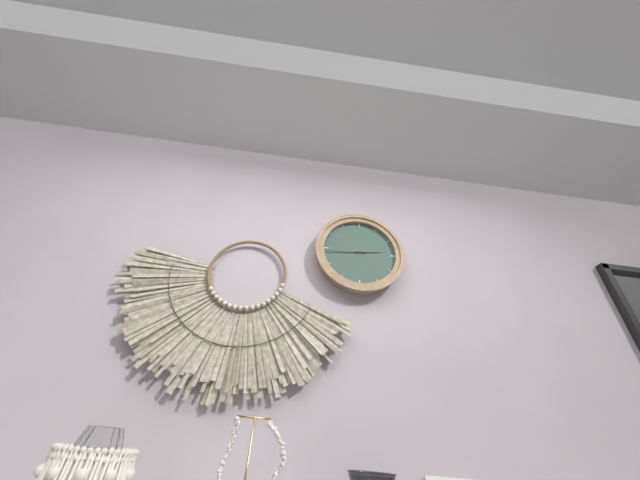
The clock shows 2 h 44 min
